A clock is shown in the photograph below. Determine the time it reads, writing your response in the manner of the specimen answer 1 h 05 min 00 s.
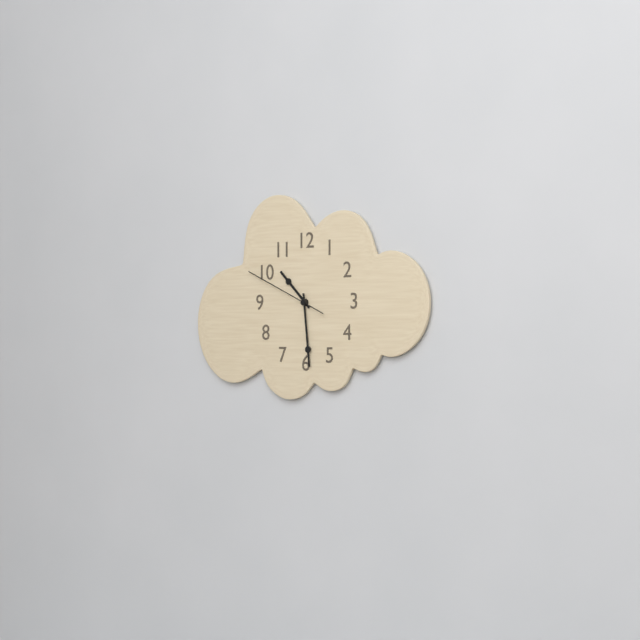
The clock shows 10 h 29 min 49 s
